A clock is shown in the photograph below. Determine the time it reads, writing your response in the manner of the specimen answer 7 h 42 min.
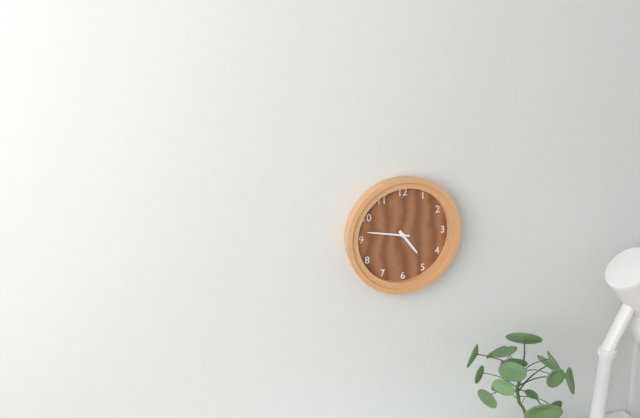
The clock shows 4 h 47 min
